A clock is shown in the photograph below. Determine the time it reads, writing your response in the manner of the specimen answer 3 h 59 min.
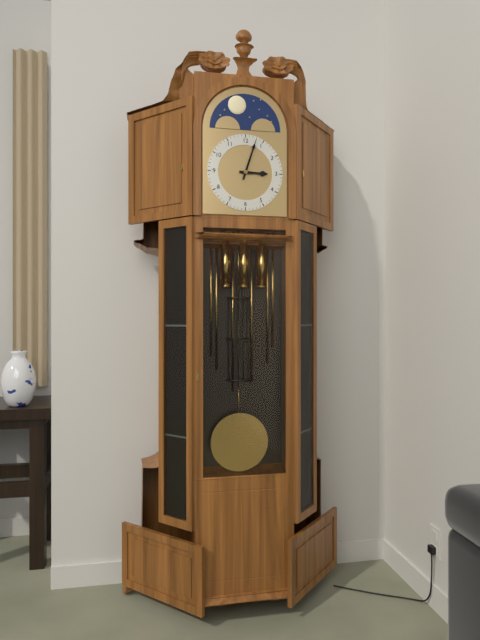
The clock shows 3 h 03 min
